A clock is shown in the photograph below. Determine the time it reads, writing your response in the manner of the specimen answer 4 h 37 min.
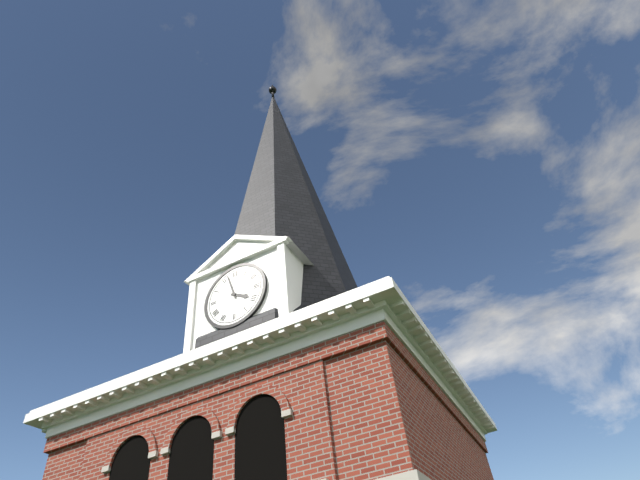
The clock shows 3 h 57 min
